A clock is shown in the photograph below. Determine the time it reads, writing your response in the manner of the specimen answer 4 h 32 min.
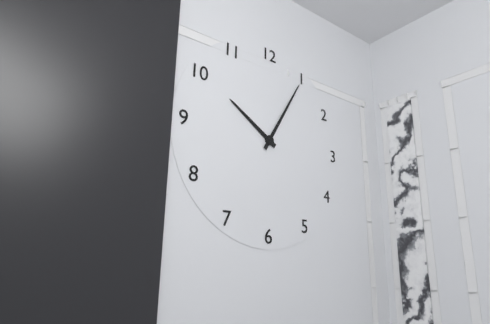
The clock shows 10 h 05 min
